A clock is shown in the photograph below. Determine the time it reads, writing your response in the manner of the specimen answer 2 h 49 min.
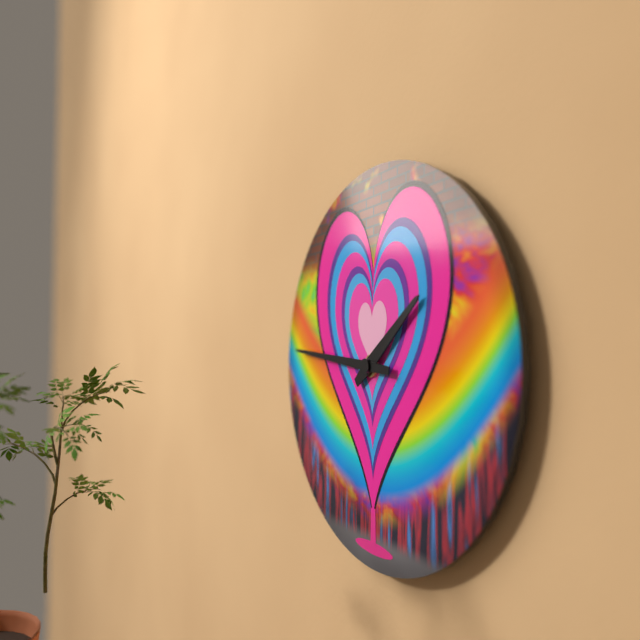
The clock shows 1 h 46 min
